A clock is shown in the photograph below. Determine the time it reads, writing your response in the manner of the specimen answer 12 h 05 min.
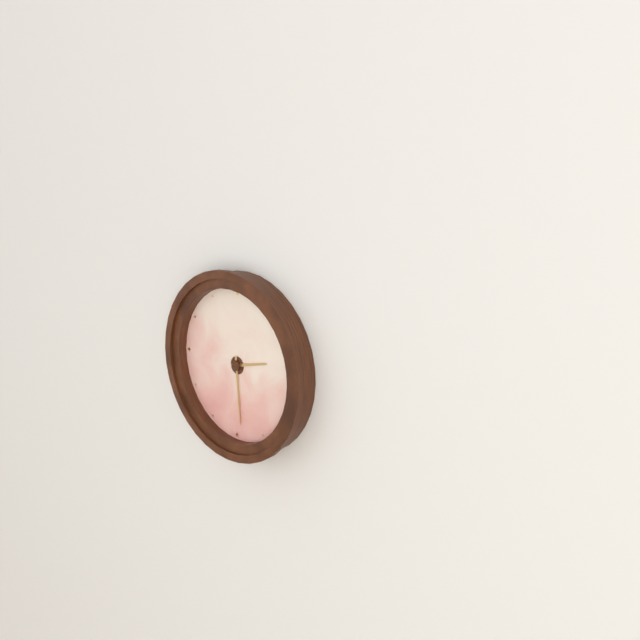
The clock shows 2 h 29 min
